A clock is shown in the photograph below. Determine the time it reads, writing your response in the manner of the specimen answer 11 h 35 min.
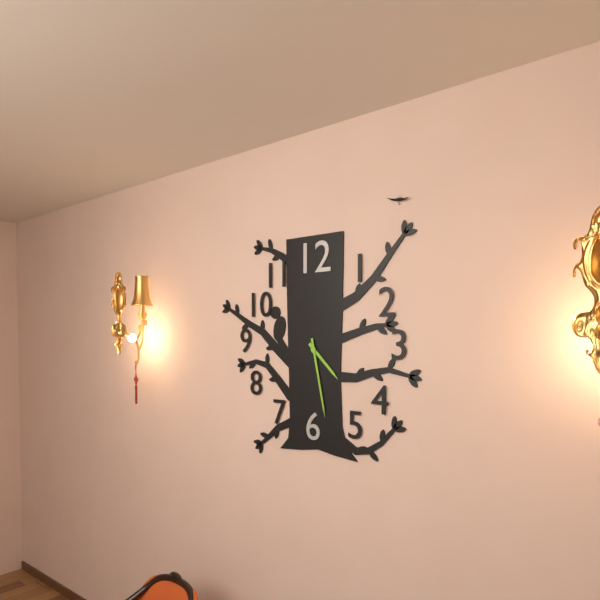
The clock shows 4 h 28 min
